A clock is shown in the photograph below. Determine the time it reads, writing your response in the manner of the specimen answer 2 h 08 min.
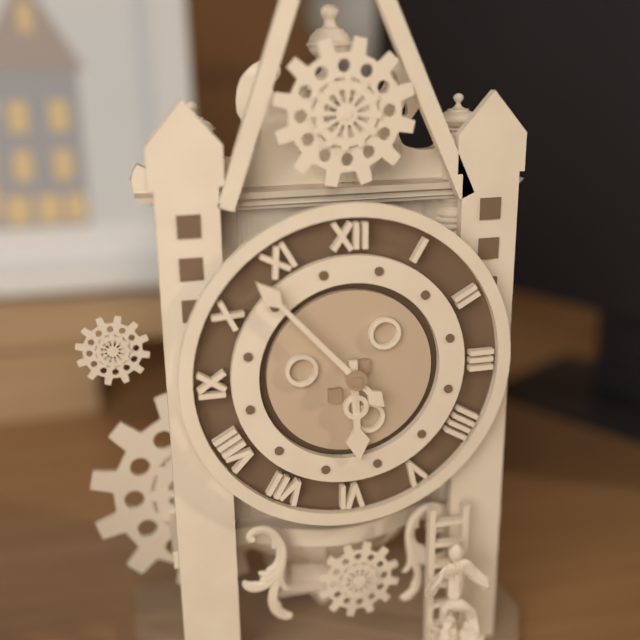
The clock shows 5 h 53 min
